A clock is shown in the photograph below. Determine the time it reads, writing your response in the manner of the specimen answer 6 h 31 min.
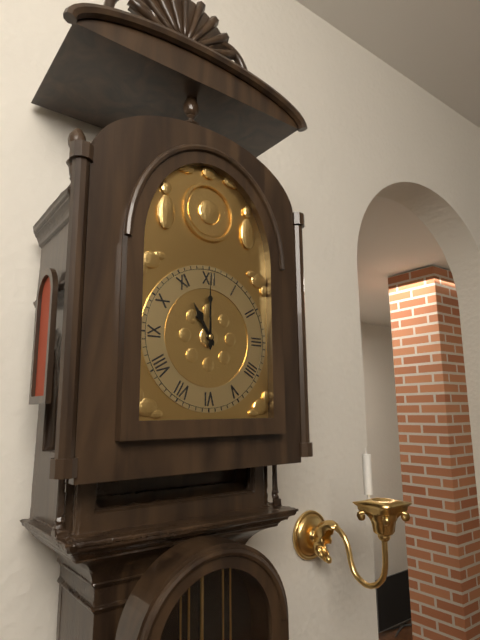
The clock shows 11 h 00 min
